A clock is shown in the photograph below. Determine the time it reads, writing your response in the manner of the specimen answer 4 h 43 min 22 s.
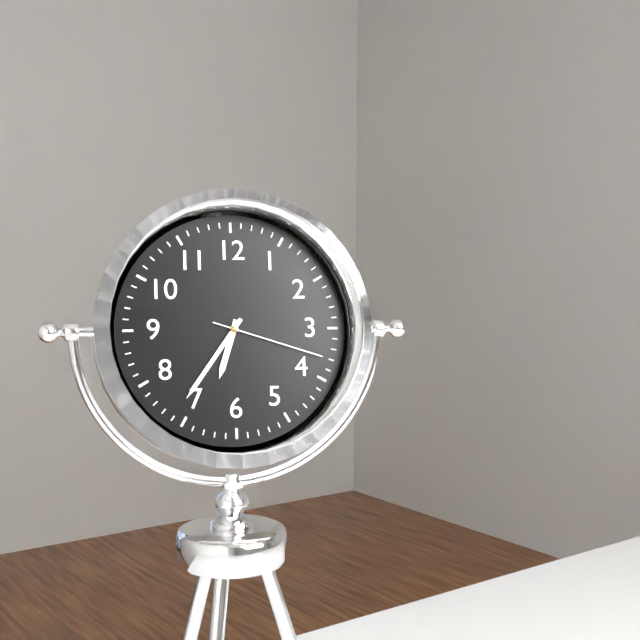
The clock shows 6 h 36 min 18 s
